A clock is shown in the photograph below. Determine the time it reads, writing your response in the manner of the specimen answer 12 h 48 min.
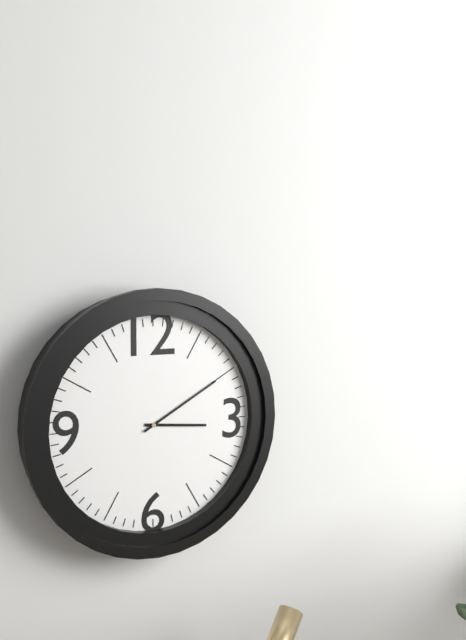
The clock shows 3 h 10 min
